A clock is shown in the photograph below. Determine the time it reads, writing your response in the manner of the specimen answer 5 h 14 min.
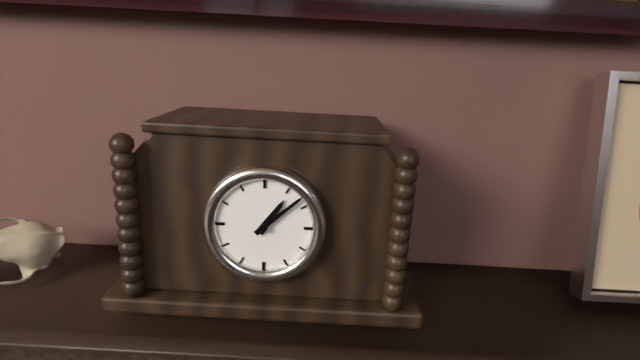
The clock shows 1 h 08 min
